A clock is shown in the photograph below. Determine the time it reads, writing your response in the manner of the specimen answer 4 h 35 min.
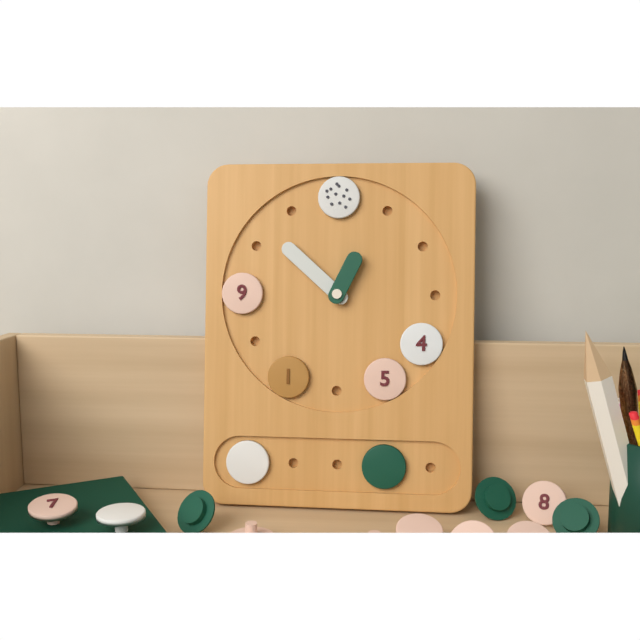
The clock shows 12 h 52 min
